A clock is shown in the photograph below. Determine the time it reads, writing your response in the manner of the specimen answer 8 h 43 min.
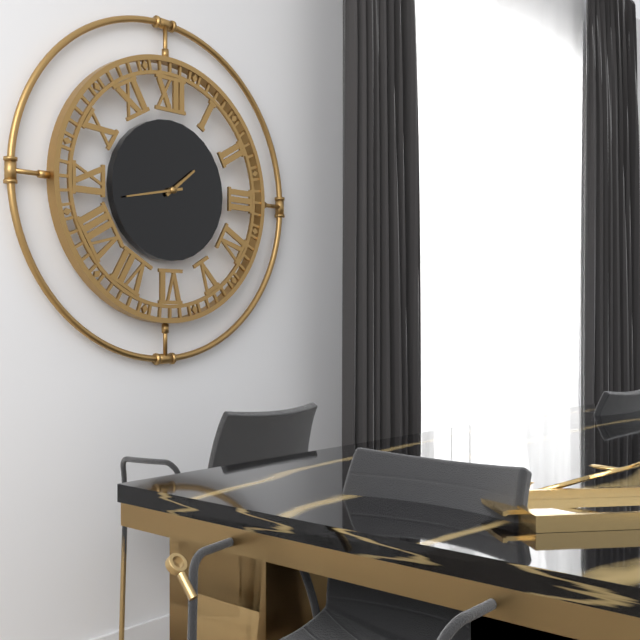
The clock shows 1 h 43 min
